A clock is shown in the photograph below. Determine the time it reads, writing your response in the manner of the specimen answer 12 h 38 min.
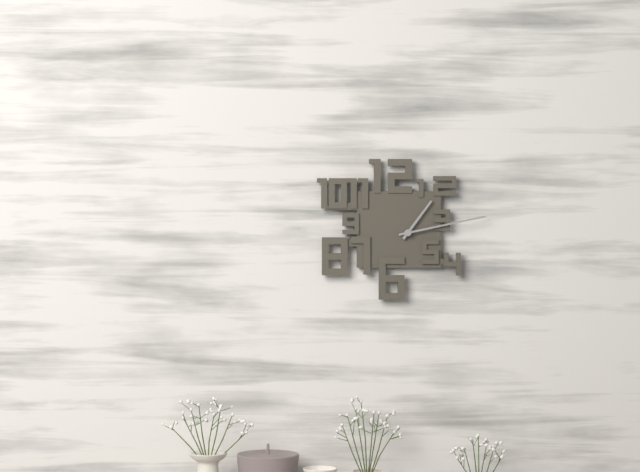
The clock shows 1 h 13 min
